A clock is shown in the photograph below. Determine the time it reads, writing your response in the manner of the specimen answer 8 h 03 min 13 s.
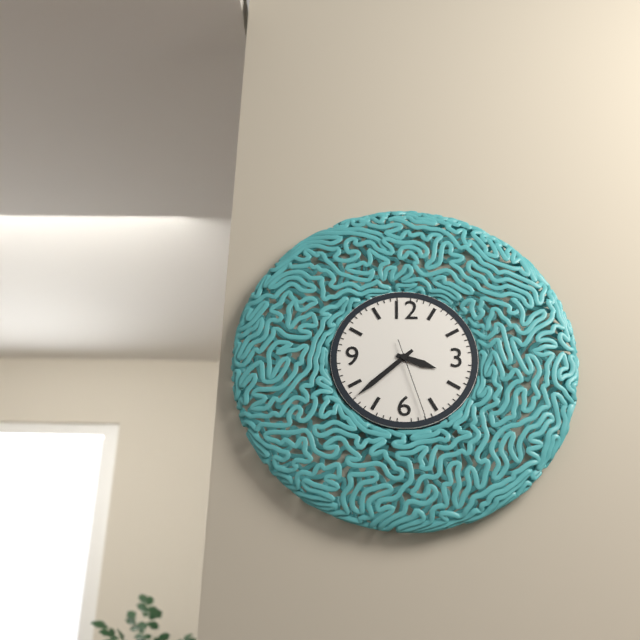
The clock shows 3 h 38 min 27 s
